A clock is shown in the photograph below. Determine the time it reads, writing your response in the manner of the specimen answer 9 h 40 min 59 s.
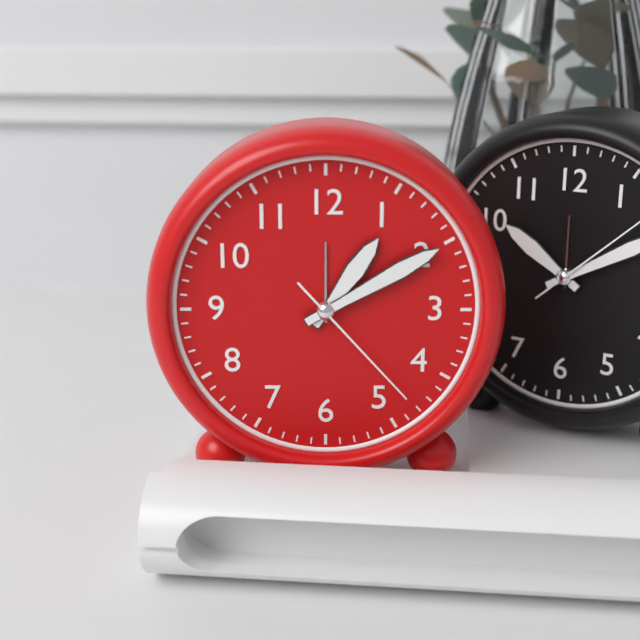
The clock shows 1 h 10 min 23 s
